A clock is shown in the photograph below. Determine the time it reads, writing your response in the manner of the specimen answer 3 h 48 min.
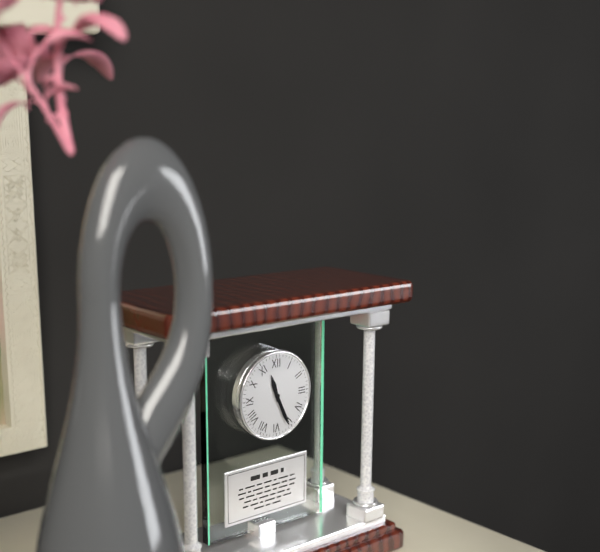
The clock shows 11 h 26 min
